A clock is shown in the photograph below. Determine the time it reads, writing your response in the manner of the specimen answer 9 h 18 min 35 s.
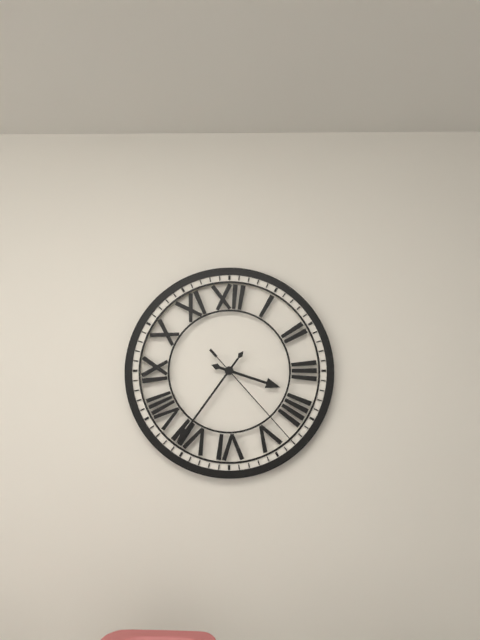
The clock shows 3 h 36 min 23 s
